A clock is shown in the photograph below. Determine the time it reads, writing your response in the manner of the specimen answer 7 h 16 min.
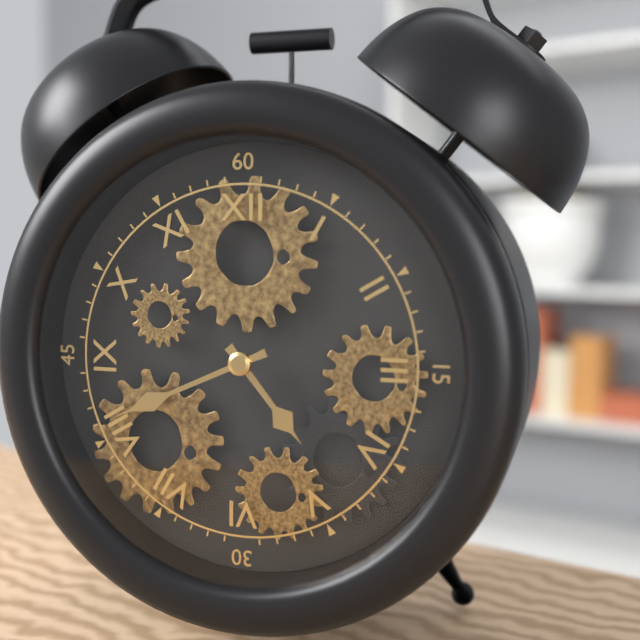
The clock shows 4 h 41 min
